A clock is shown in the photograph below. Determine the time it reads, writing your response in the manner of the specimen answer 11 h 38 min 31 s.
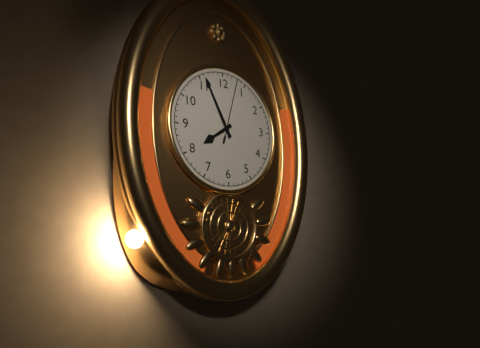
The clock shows 7 h 56 min 03 s
